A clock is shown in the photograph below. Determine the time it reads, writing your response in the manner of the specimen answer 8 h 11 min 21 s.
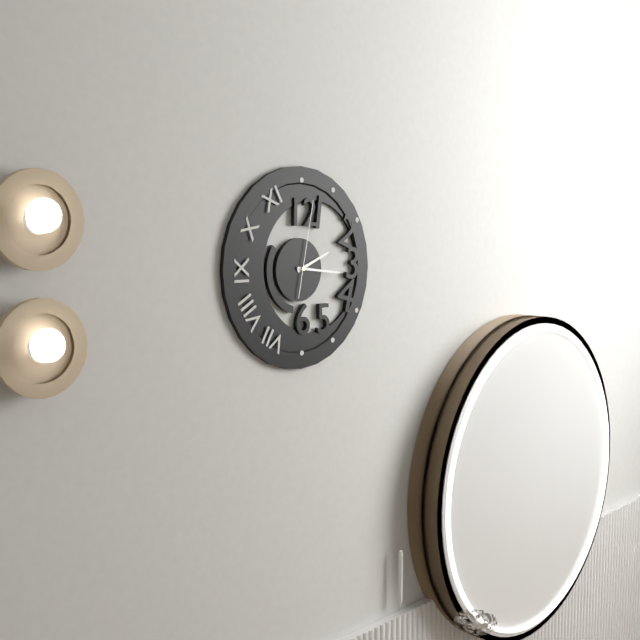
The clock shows 2 h 16 min 02 s
